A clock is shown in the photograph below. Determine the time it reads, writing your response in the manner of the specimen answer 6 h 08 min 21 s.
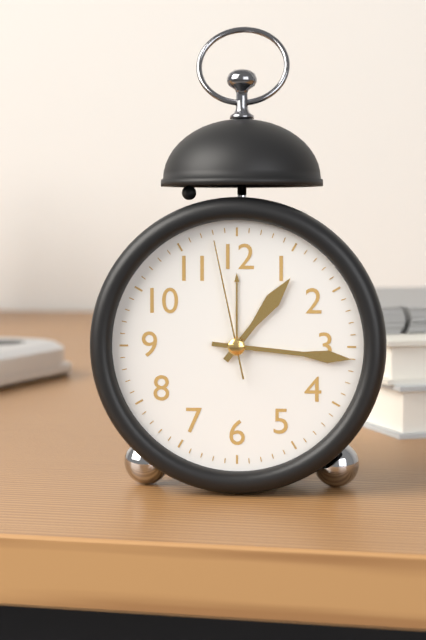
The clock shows 1 h 16 min 58 s
